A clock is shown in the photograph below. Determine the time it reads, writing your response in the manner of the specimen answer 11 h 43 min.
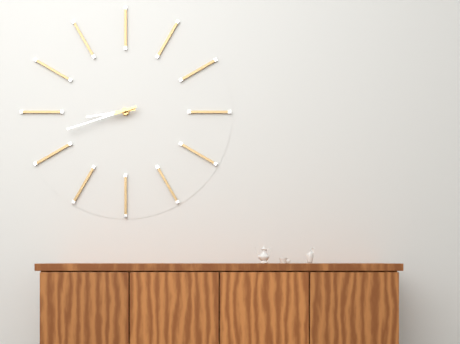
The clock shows 8 h 42 min
